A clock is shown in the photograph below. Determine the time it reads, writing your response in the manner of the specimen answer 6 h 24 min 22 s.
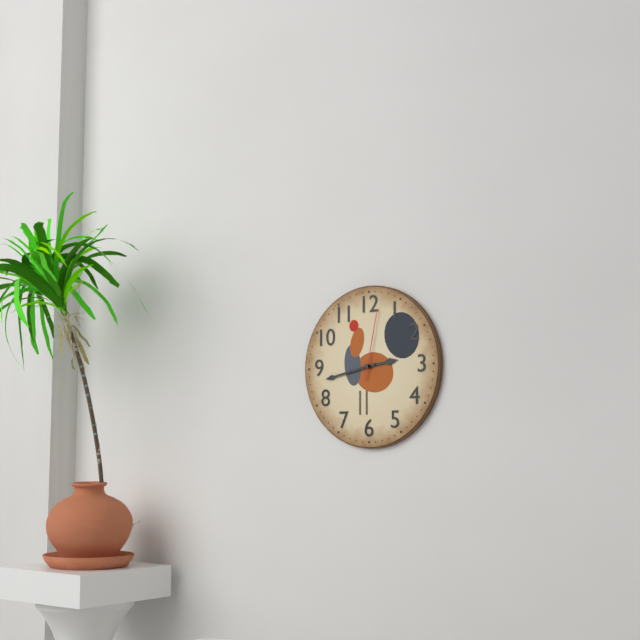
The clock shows 2 h 43 min 02 s
